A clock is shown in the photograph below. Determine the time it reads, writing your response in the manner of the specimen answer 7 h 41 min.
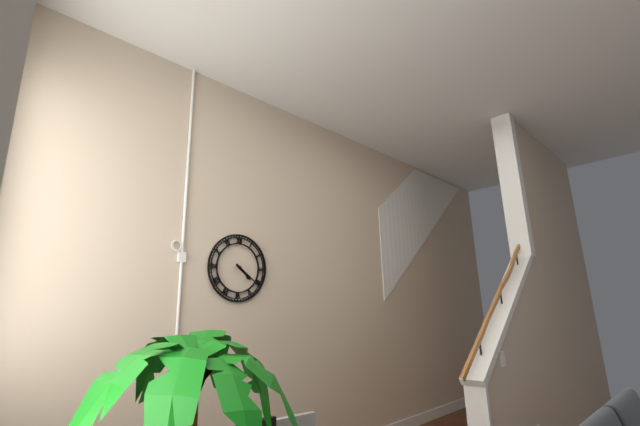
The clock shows 4 h 21 min
